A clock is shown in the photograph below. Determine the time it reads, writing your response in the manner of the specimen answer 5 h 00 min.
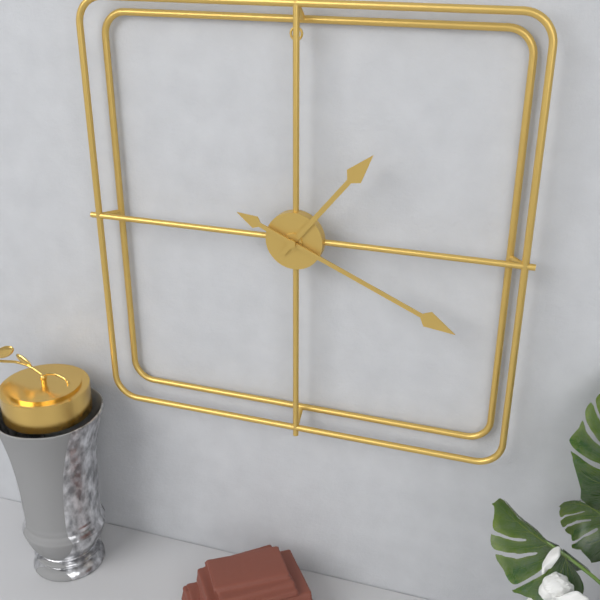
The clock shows 1 h 19 min
